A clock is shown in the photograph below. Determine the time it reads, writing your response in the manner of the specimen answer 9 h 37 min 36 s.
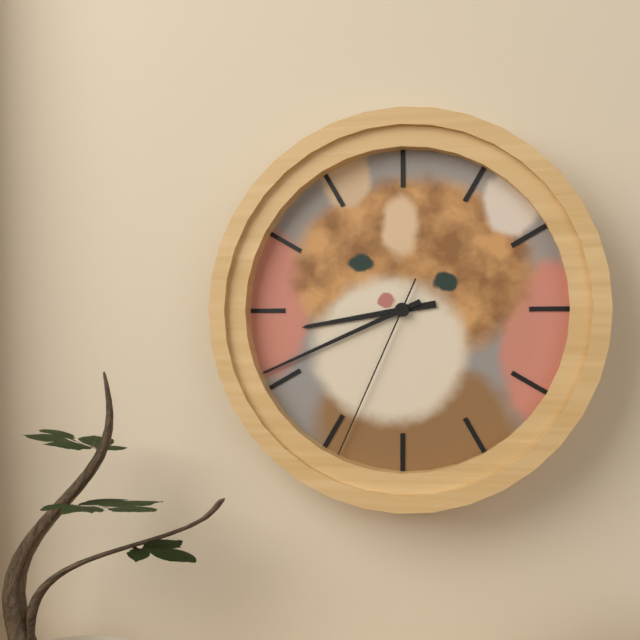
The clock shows 8 h 41 min 34 s
